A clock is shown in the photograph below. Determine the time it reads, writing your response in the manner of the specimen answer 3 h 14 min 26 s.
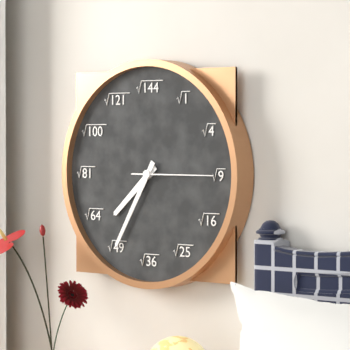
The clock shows 7 h 35 min 15 s
